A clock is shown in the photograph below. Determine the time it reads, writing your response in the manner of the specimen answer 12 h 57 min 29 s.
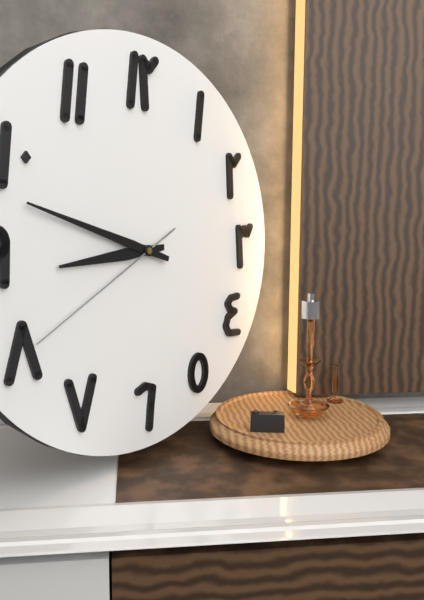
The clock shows 8 h 48 min 40 s
